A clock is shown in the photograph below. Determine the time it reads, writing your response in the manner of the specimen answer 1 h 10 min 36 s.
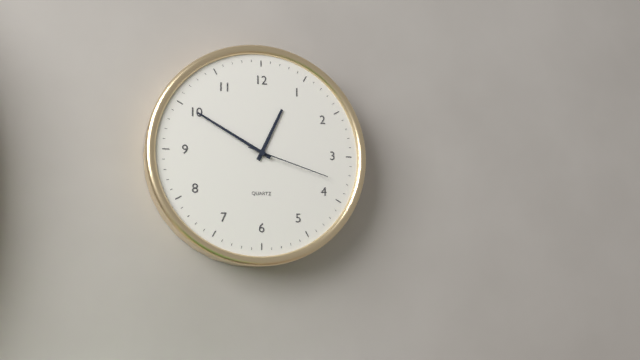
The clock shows 12 h 50 min 18 s
